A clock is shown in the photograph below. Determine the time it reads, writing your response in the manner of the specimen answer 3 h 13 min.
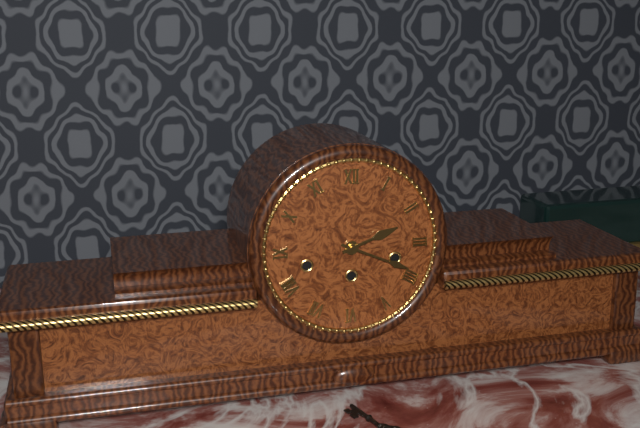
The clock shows 2 h 19 min
